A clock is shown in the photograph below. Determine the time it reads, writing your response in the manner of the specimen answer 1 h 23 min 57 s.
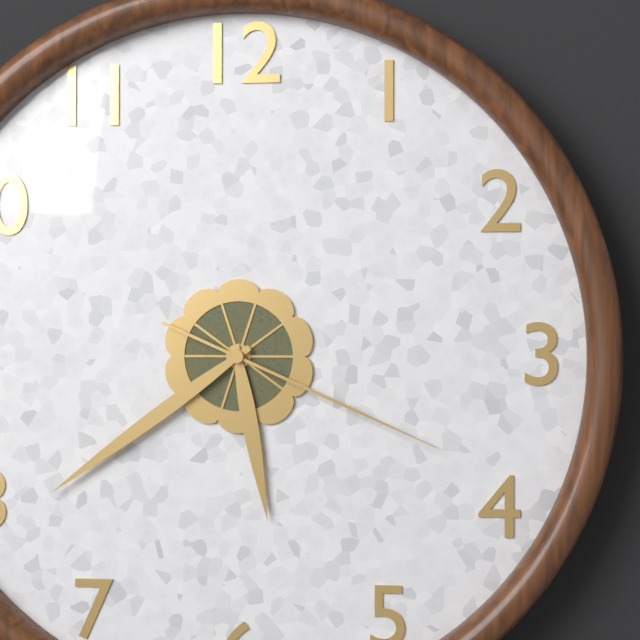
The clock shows 5 h 39 min 19 s
